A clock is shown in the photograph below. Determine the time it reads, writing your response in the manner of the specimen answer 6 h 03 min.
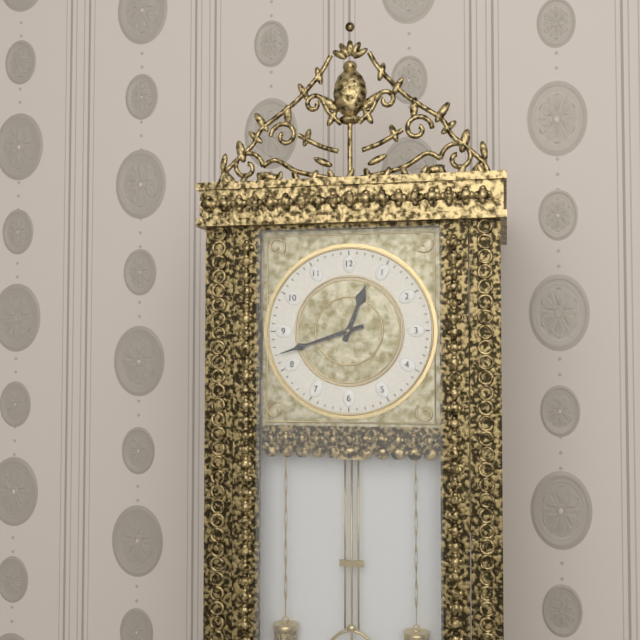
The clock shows 12 h 42 min
